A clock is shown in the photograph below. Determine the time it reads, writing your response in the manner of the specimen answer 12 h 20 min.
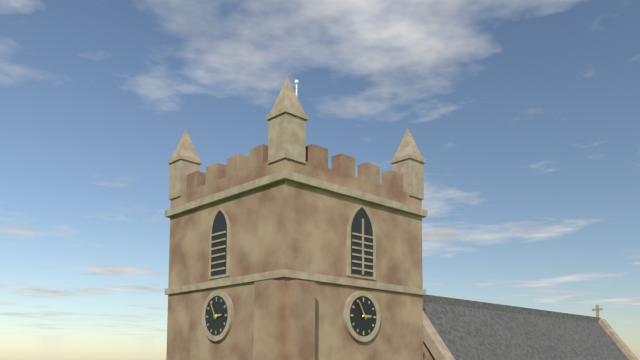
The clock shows 2 h 55 min
